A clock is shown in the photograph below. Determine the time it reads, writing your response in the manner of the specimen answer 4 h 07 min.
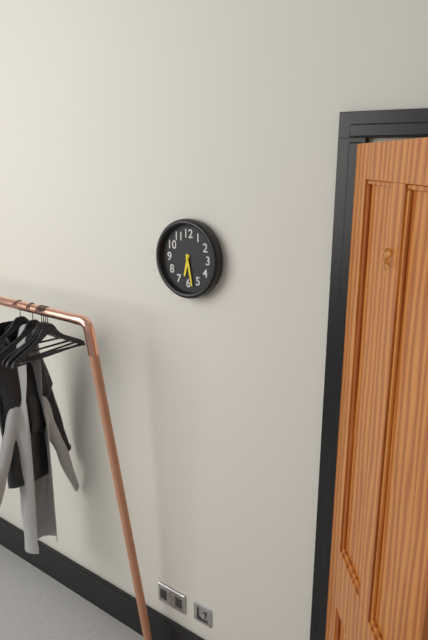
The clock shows 6 h 28 min
